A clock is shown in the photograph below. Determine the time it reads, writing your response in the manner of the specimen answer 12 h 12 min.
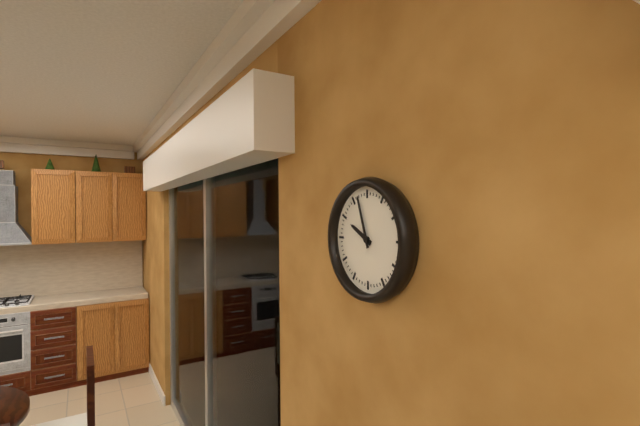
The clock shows 9 h 57 min
